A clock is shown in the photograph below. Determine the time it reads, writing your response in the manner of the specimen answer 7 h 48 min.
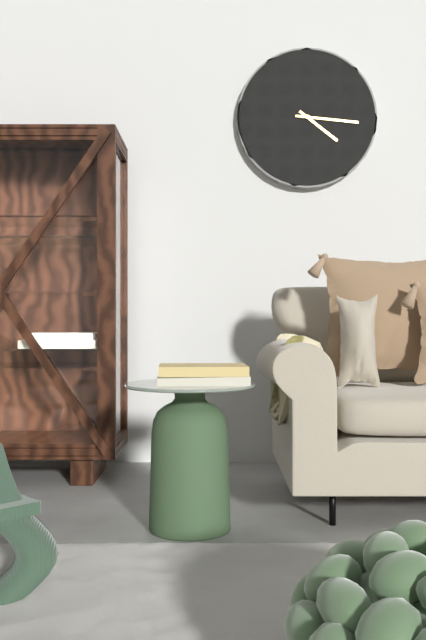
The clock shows 4 h 16 min
